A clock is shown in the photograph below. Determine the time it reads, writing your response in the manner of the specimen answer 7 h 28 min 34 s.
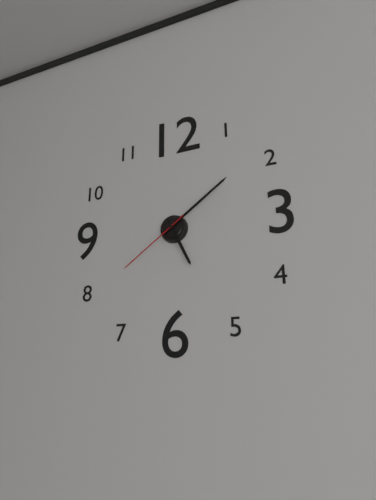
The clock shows 5 h 09 min 39 s
